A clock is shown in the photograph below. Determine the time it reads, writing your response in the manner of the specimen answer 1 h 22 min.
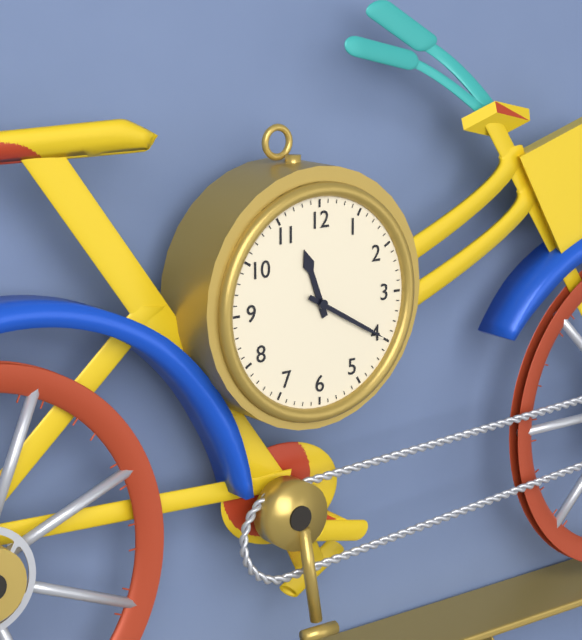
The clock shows 11 h 20 min
